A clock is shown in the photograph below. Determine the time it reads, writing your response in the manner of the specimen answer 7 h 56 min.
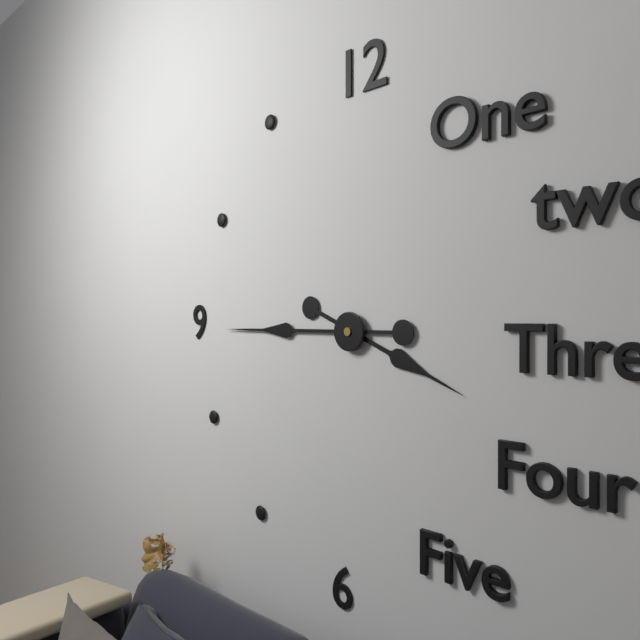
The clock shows 3 h 45 min
